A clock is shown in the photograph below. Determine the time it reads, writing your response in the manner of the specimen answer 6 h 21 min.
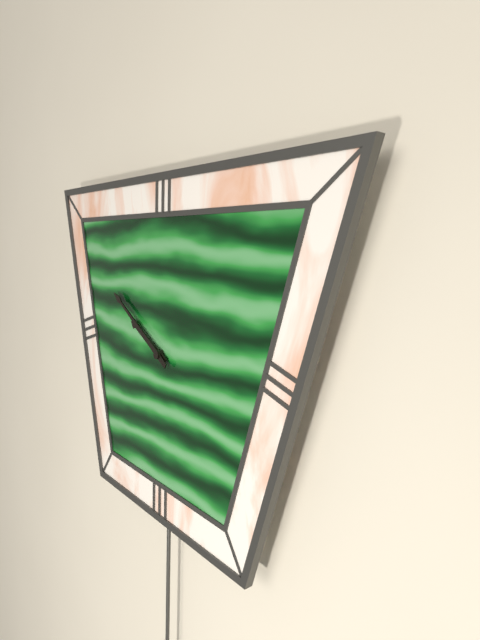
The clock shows 9 h 50 min
